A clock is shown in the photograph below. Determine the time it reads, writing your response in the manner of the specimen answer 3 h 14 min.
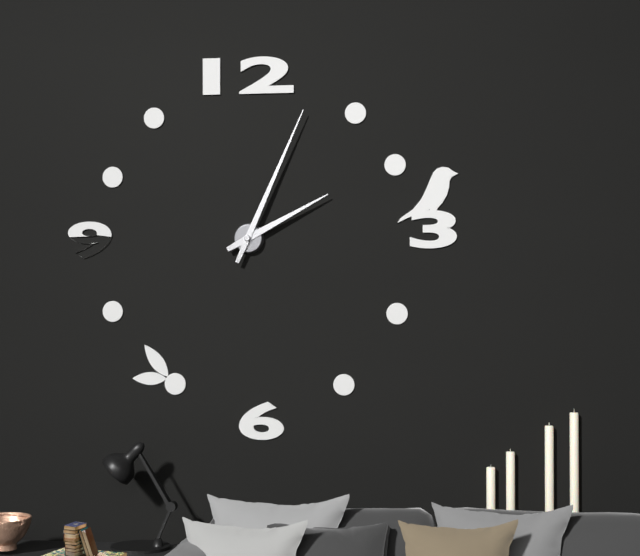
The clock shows 2 h 04 min
